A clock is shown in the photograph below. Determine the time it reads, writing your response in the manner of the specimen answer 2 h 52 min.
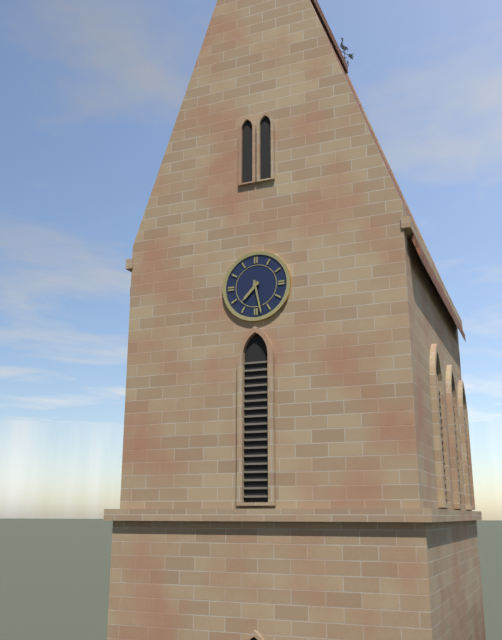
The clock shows 7 h 28 min
